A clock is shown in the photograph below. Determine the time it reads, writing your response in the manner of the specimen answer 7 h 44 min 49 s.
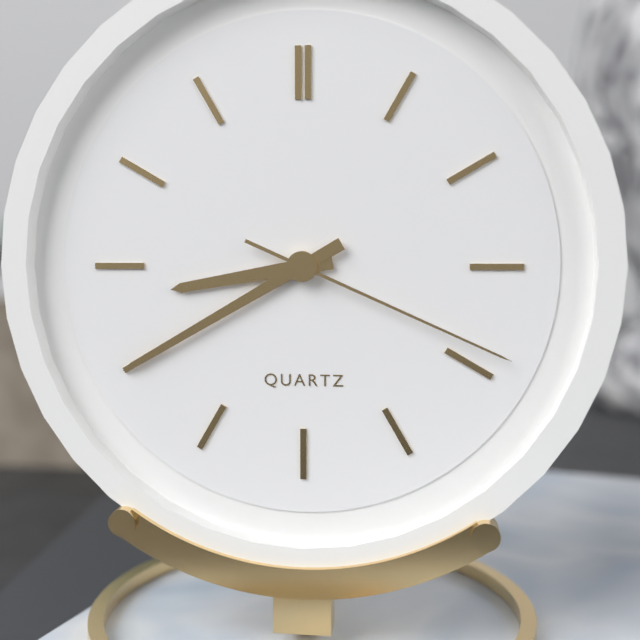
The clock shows 8 h 40 min 19 s
